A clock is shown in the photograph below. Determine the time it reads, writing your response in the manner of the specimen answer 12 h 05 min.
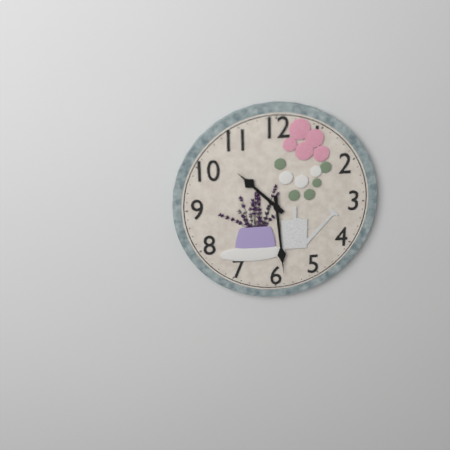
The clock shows 10 h 29 min
